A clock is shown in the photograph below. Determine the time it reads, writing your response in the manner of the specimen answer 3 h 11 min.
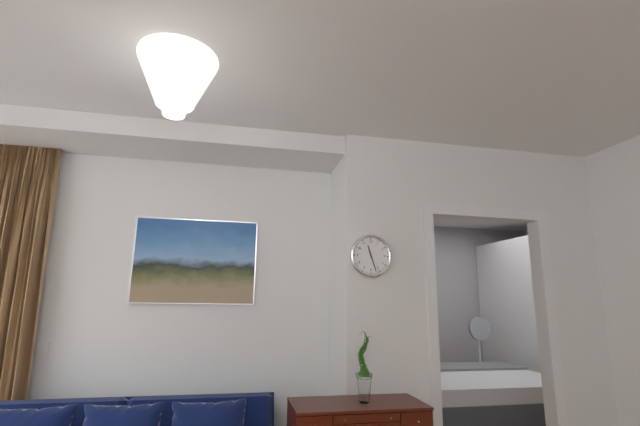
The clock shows 11 h 27 min
